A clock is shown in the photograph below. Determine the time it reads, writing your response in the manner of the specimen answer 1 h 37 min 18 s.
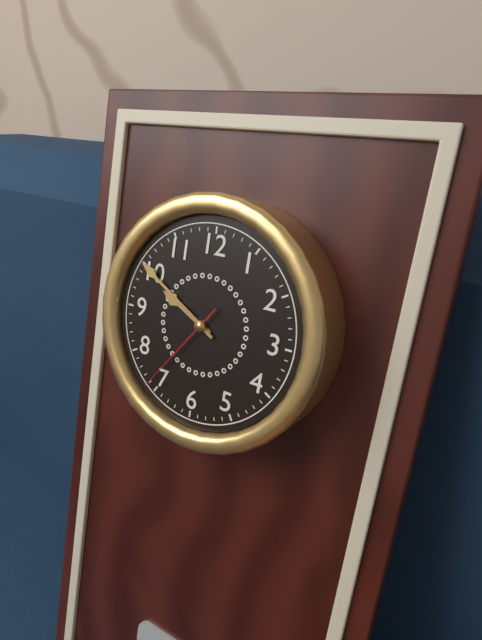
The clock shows 9 h 50 min 36 s
